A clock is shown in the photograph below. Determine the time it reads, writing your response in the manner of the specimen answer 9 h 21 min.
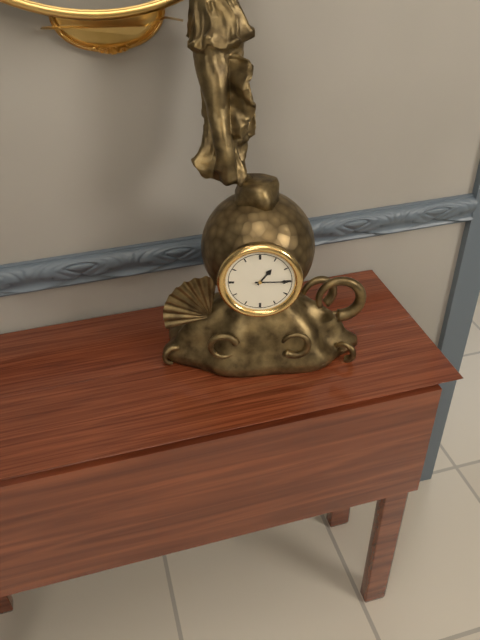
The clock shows 1 h 15 min
